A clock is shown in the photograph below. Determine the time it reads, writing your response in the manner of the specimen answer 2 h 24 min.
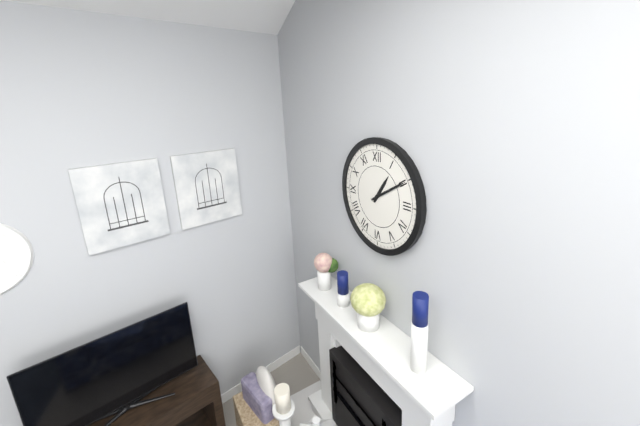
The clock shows 1 h 10 min
